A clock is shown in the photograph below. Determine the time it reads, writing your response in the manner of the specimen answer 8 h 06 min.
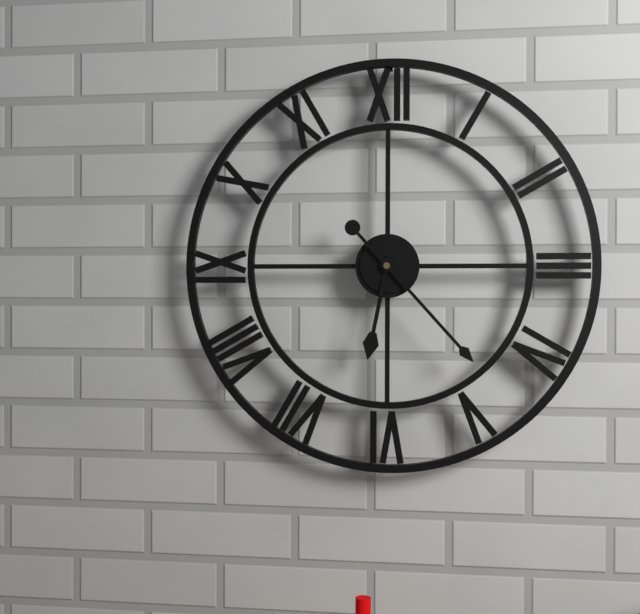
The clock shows 6 h 23 min
